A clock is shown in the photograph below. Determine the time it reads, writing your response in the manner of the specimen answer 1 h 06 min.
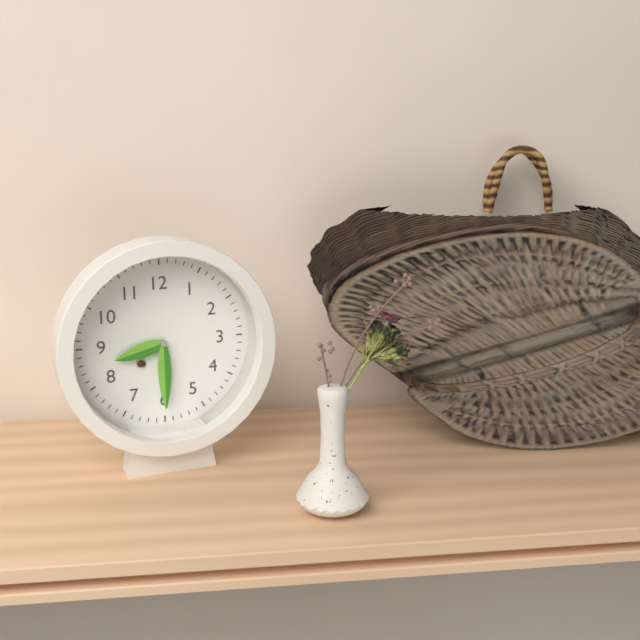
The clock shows 8 h 30 min
